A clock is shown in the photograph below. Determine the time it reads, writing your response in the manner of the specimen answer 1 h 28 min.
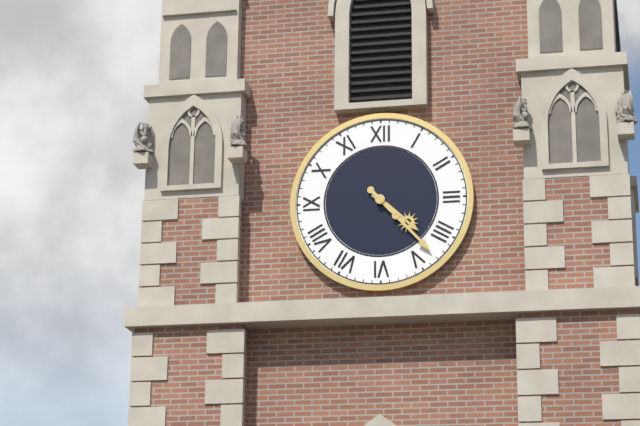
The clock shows 4 h 23 min
